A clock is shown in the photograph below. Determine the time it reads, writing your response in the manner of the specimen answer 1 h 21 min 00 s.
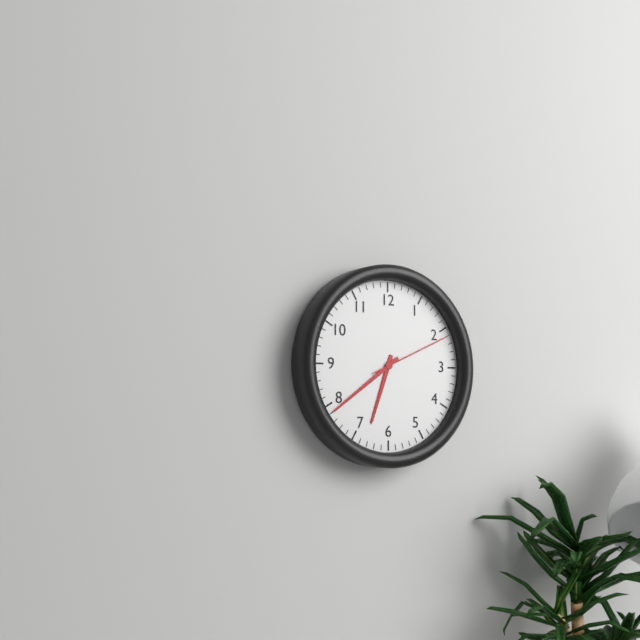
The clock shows 6 h 39 min 11 s
